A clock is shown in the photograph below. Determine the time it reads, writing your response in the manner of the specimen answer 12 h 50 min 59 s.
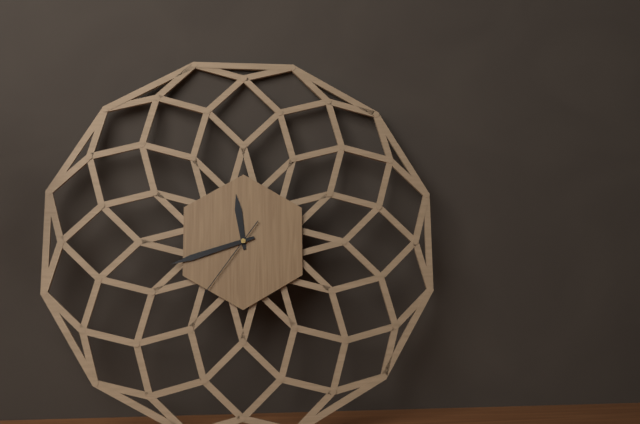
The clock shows 11 h 42 min 36 s
